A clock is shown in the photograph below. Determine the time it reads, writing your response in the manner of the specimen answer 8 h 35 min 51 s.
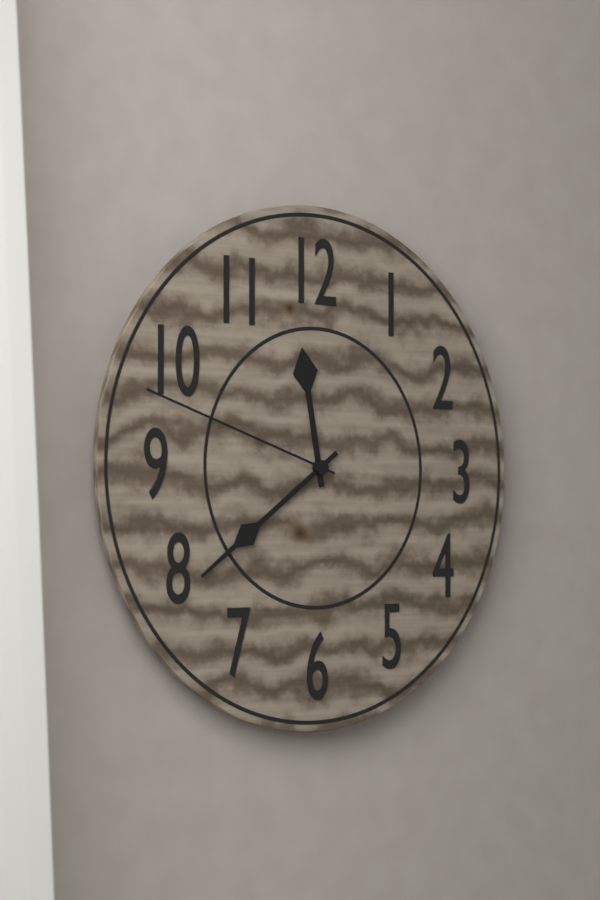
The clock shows 11 h 39 min 48 s
